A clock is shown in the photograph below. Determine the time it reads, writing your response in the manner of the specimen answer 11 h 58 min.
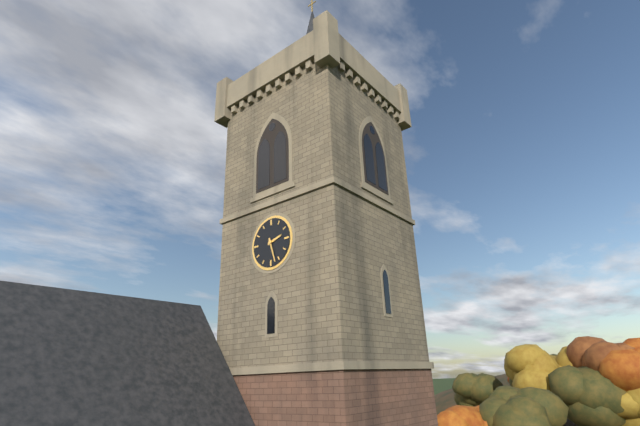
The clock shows 2 h 27 min
